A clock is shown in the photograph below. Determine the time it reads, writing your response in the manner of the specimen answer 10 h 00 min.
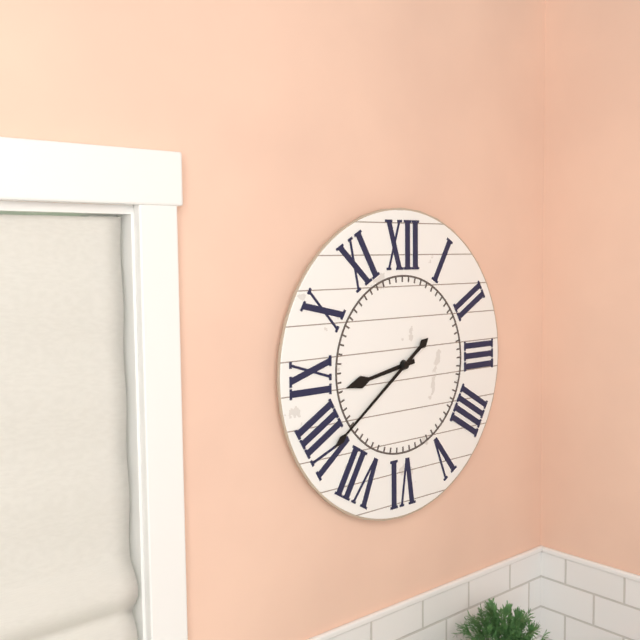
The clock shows 8 h 39 min
